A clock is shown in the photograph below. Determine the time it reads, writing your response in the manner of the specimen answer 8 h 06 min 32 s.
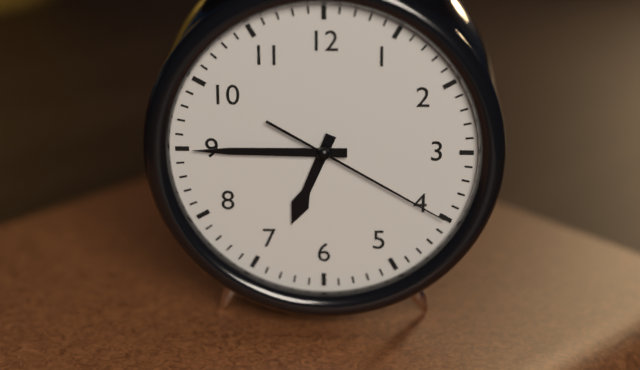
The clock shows 6 h 45 min 20 s
